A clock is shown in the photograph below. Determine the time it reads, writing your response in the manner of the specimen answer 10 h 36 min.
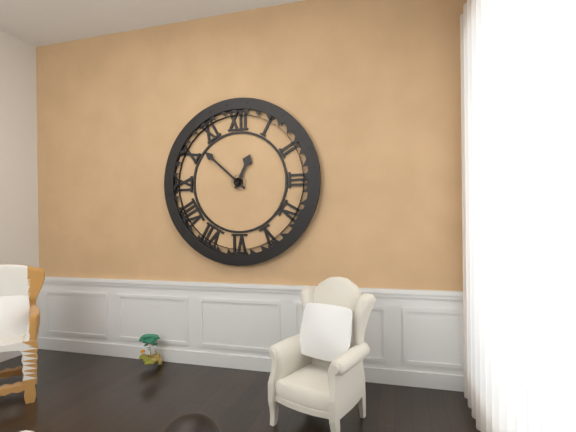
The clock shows 12 h 52 min
